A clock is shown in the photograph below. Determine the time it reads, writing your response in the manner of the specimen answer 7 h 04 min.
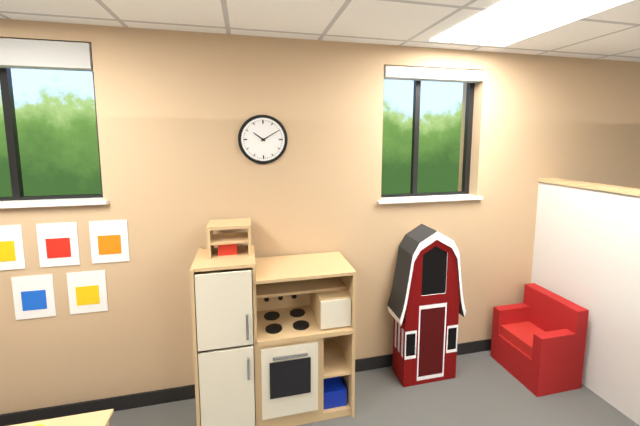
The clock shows 10 h 10 min
